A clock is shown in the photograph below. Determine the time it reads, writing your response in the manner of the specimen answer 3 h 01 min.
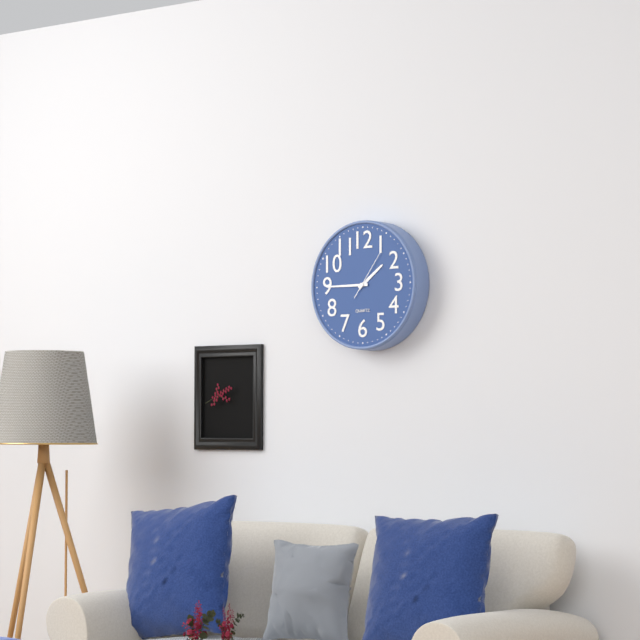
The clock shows 1 h 45 min
